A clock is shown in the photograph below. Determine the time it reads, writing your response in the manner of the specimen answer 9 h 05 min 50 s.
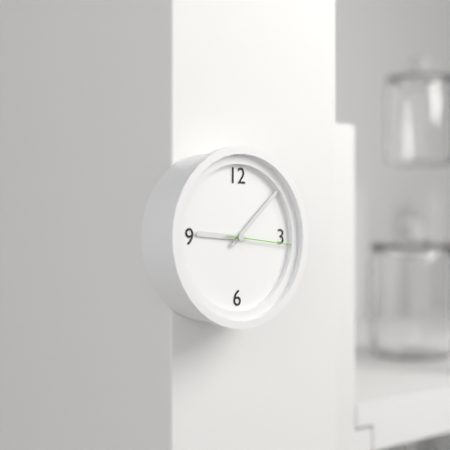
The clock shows 9 h 08 min 16 s
